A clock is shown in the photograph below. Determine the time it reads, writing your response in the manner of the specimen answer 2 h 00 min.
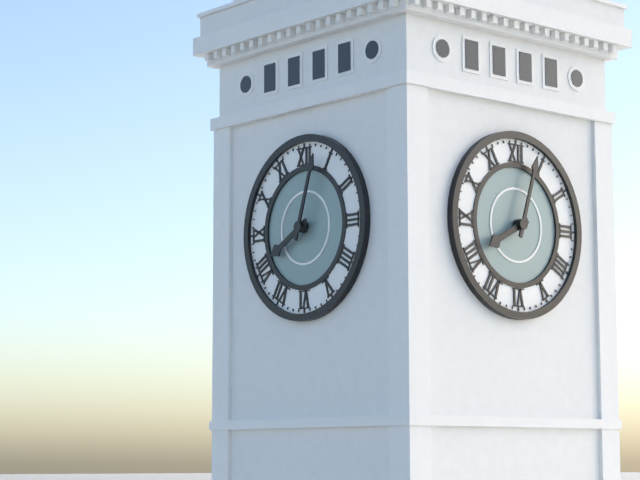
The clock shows 8 h 03 min
